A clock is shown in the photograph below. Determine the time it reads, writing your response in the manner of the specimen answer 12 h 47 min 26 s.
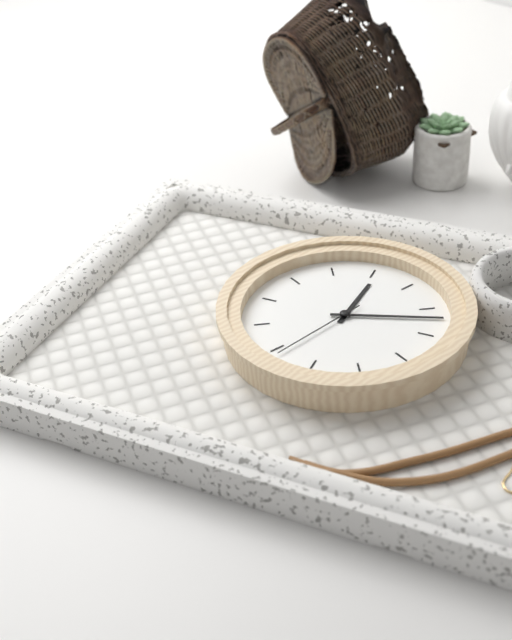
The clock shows 11 h 07 min 29 s
